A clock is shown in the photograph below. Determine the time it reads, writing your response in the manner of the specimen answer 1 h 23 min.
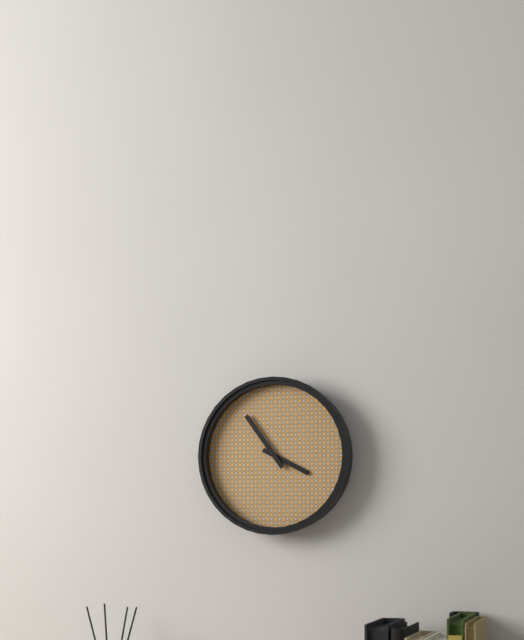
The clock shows 3 h 54 min
